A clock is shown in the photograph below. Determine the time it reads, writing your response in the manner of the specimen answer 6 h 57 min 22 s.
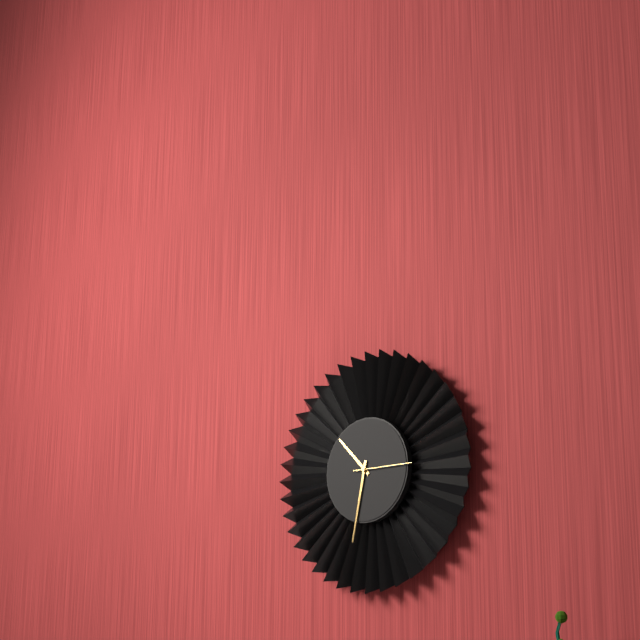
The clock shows 10 h 32 min 15 s
